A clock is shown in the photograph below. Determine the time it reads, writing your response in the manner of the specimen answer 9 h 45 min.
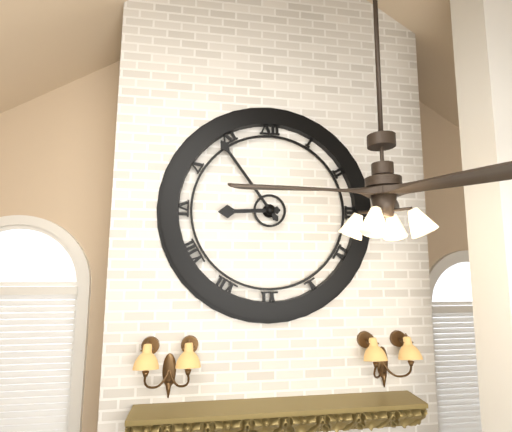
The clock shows 8 h 54 min
